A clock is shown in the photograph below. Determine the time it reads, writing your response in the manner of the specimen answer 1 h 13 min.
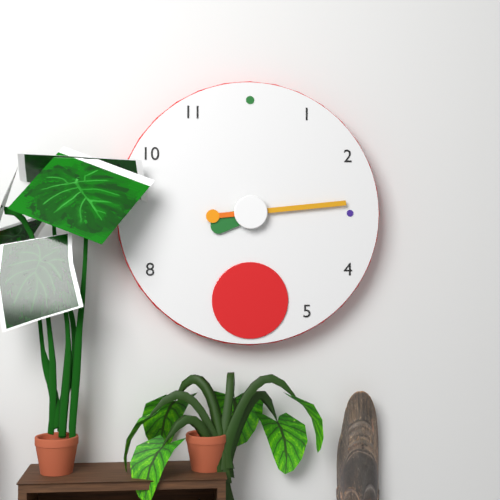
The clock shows 8 h 14 min
